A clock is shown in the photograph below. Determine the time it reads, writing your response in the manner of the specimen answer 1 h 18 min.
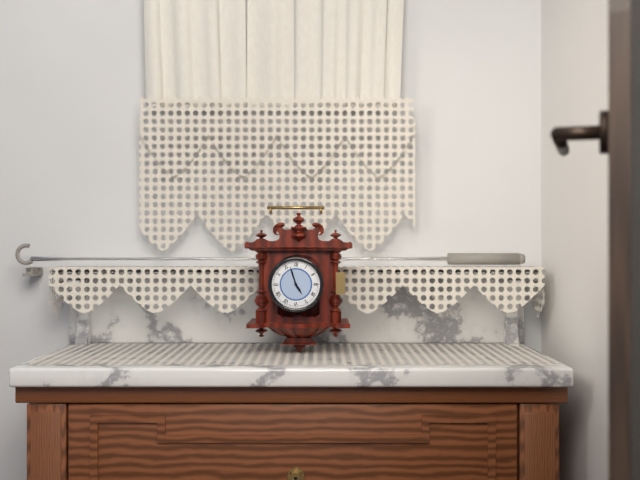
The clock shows 4 h 57 min
